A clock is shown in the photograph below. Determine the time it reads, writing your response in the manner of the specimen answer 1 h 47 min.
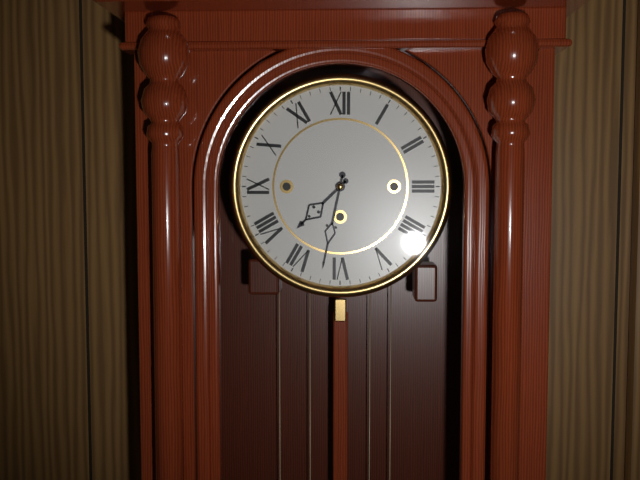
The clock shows 7 h 32 min
